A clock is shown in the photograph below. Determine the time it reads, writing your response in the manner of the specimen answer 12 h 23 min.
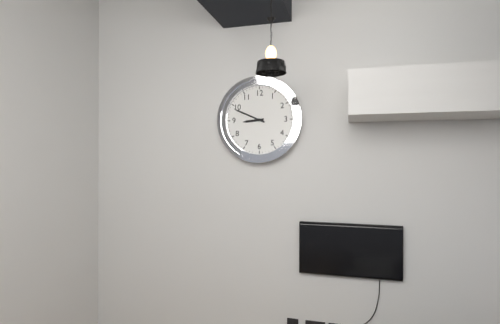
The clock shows 8 h 49 min
